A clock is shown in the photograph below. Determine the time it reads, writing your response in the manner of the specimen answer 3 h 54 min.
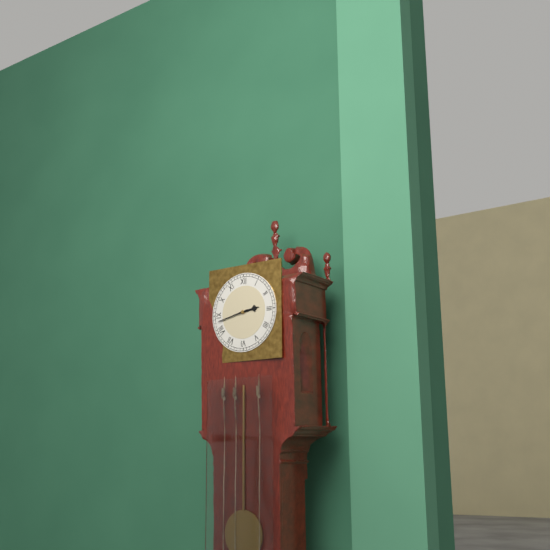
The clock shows 2 h 43 min
